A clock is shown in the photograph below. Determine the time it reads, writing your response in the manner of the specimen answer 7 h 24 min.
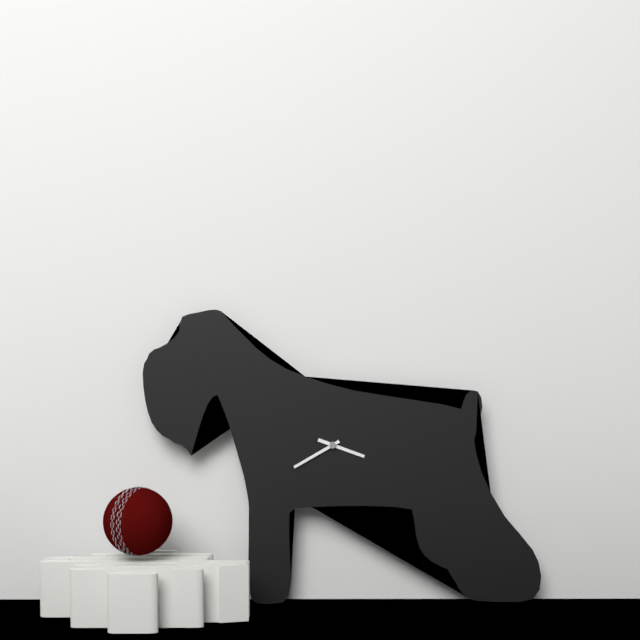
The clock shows 3 h 40 min
